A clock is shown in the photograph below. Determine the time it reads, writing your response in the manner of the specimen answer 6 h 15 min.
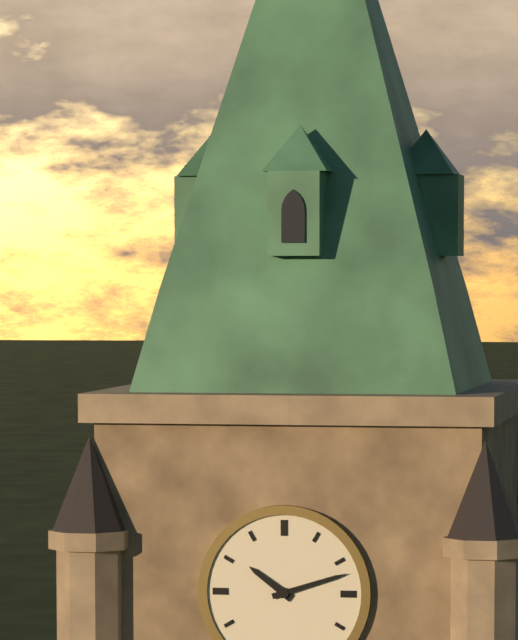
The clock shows 10 h 12 min
